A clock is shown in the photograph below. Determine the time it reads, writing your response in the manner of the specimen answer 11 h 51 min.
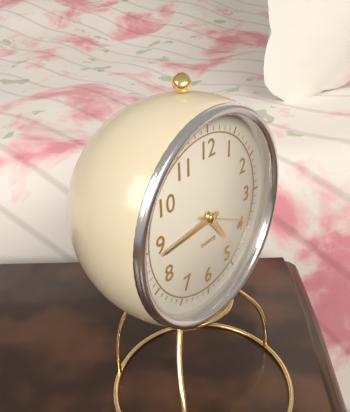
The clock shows 4 h 44 min
